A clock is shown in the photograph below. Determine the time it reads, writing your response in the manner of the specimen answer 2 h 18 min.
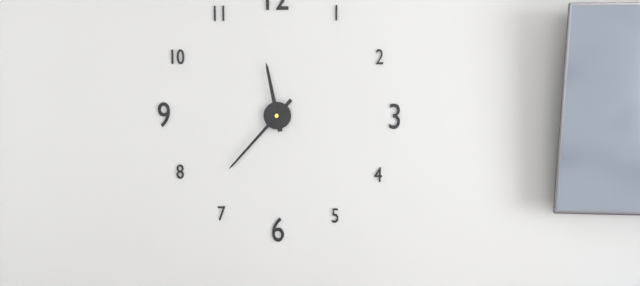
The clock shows 11 h 37 min
